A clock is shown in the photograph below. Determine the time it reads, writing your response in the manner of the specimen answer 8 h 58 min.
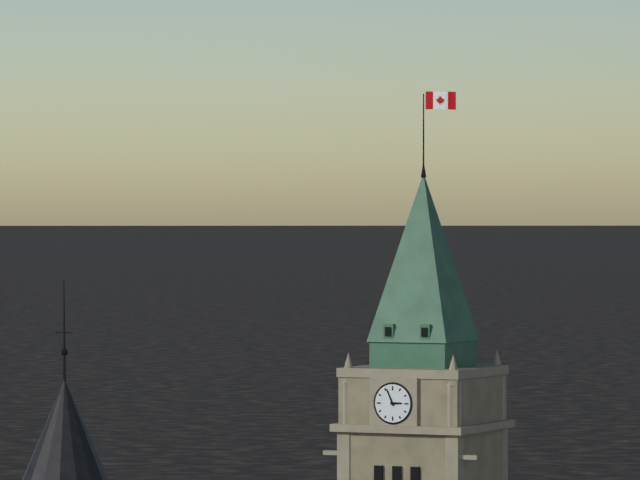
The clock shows 2 h 56 min
